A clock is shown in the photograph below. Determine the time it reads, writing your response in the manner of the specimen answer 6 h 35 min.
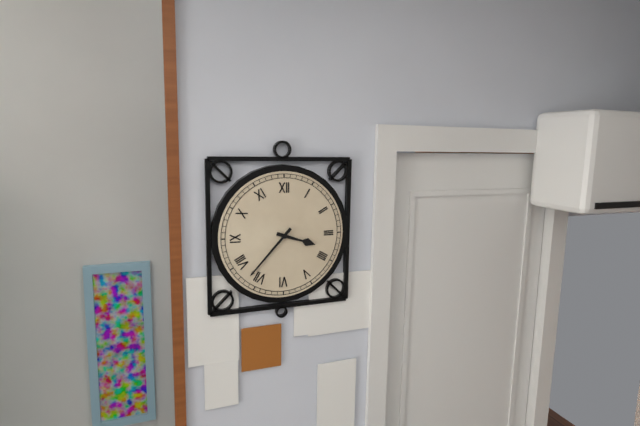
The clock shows 3 h 37 min
